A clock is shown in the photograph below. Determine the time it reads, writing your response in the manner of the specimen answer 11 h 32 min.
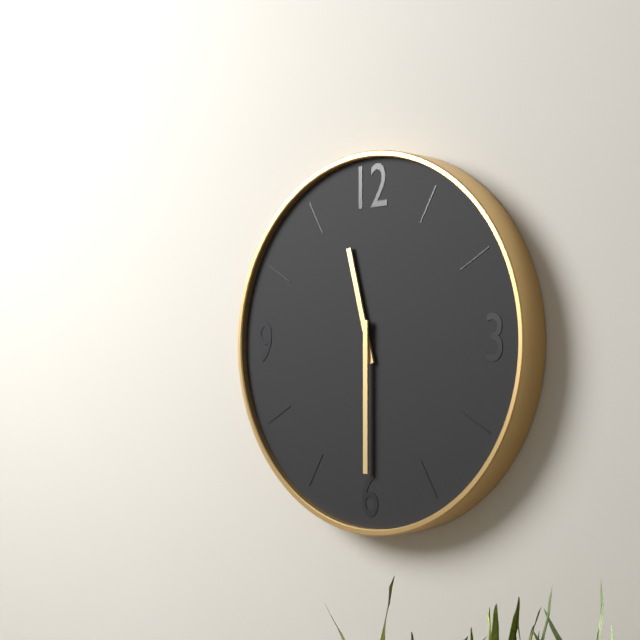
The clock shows 11 h 30 min
